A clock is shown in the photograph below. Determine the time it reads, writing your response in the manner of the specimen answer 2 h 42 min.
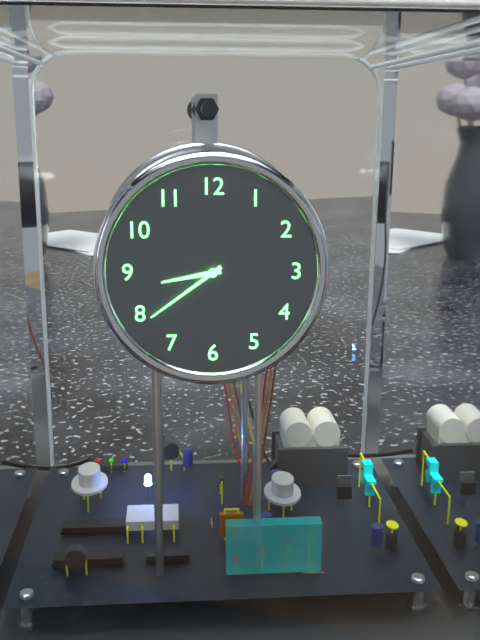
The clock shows 8 h 39 min
